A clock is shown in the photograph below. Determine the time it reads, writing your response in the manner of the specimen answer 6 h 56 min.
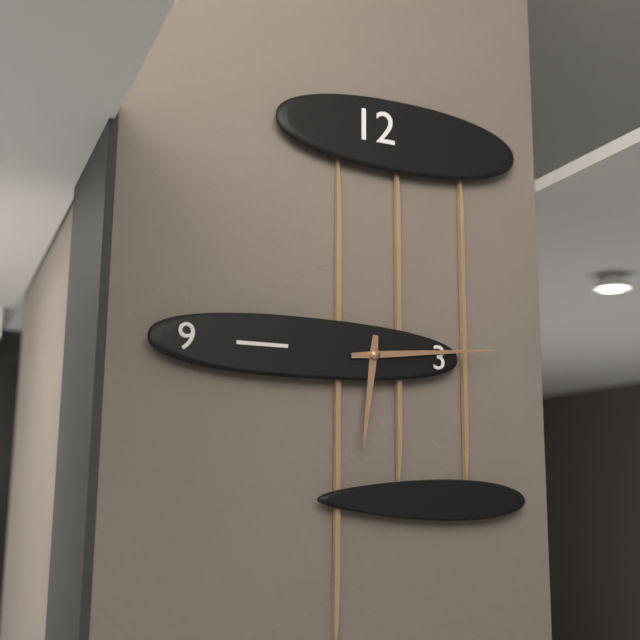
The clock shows 6 h 14 min
